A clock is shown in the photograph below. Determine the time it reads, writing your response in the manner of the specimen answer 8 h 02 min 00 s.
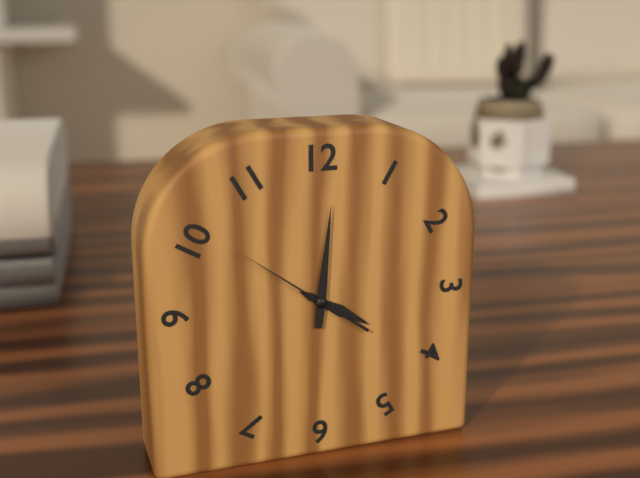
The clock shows 4 h 01 min 51 s
